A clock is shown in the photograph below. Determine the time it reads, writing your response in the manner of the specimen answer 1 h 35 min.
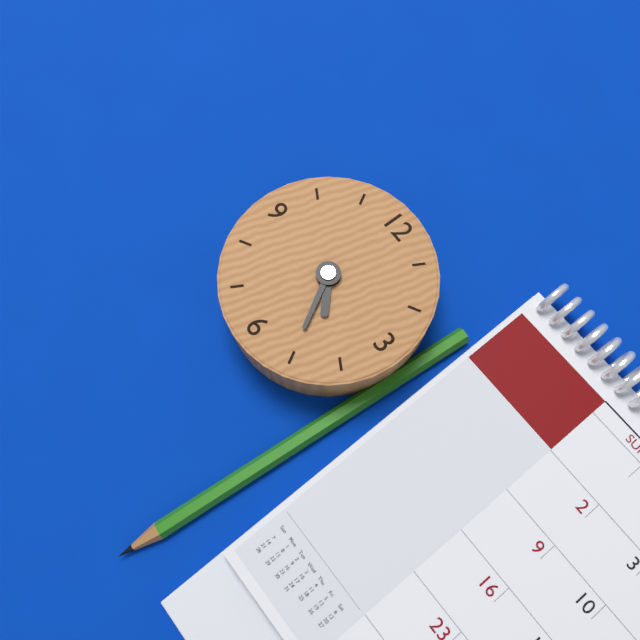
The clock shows 4 h 25 min
